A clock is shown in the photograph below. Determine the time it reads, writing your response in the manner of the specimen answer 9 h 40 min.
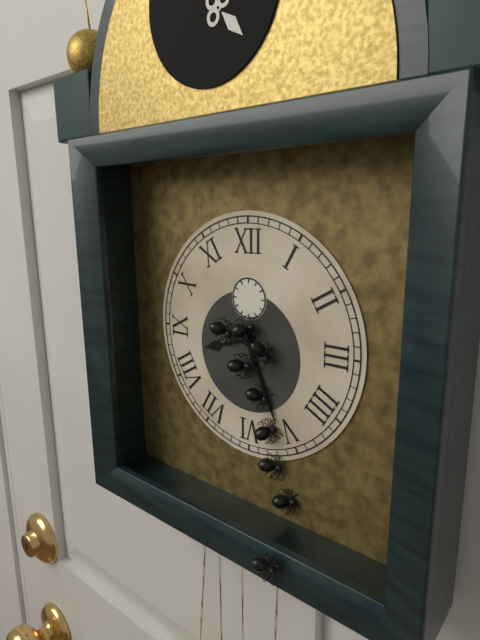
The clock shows 8 h 26 min
